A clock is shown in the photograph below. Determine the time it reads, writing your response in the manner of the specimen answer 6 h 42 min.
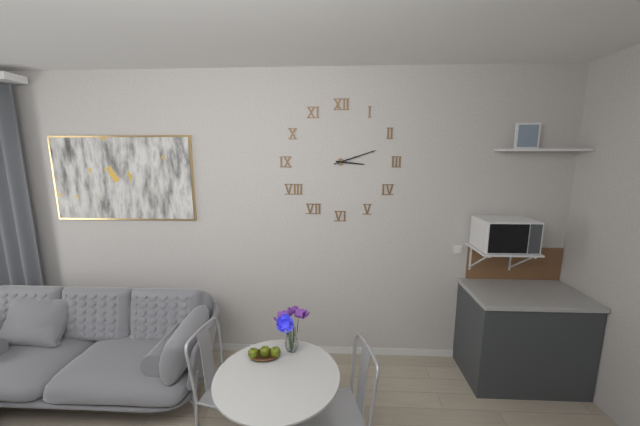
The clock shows 3 h 12 min
